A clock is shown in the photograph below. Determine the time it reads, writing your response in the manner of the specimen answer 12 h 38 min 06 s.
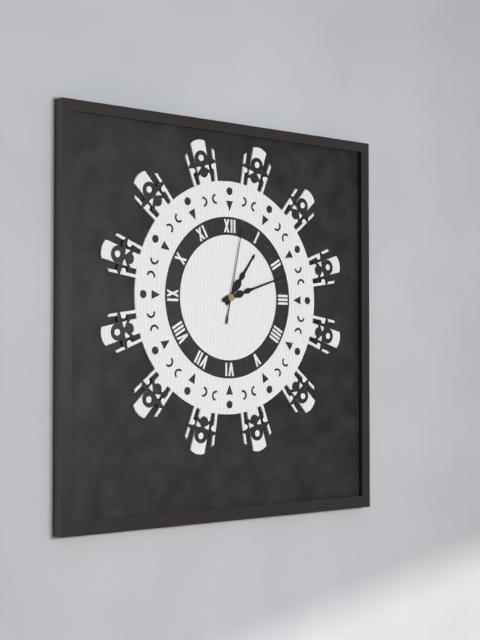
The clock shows 1 h 12 min 02 s
